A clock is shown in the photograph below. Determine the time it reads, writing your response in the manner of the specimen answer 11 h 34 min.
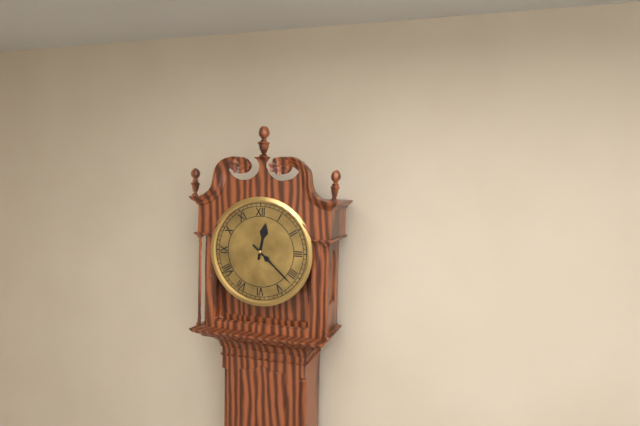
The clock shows 12 h 22 min
